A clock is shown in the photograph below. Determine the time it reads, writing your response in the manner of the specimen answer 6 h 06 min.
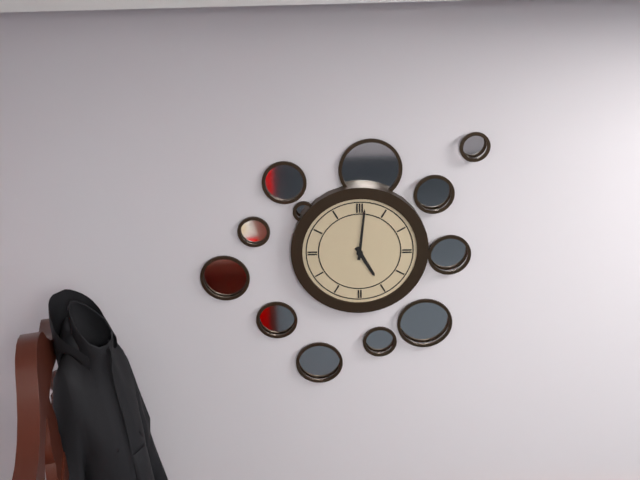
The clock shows 5 h 01 min
